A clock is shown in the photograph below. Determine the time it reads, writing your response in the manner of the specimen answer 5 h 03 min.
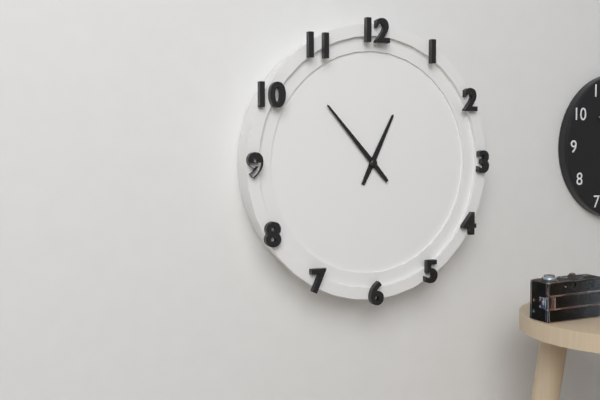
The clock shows 12 h 53 min
